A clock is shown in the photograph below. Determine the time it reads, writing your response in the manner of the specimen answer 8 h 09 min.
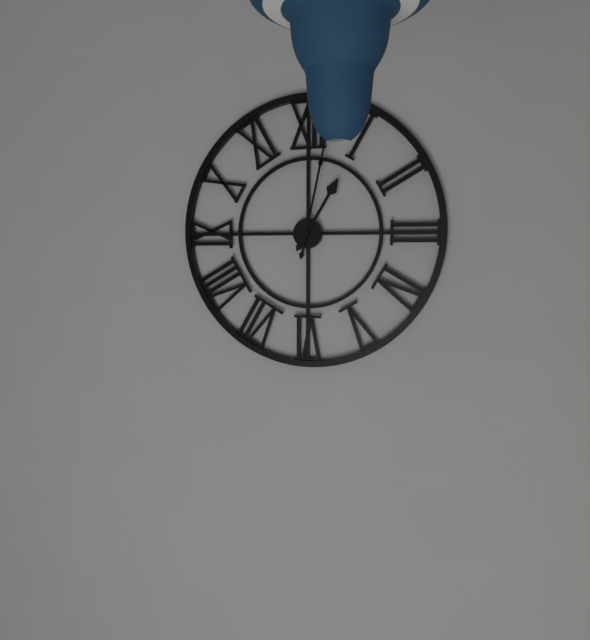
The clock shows 1 h 02 min
